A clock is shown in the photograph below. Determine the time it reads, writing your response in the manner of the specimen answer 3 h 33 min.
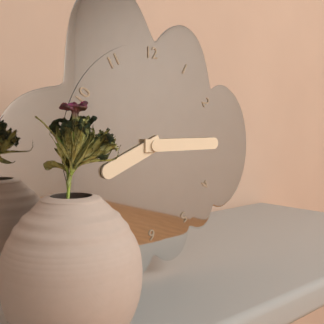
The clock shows 8 h 15 min
